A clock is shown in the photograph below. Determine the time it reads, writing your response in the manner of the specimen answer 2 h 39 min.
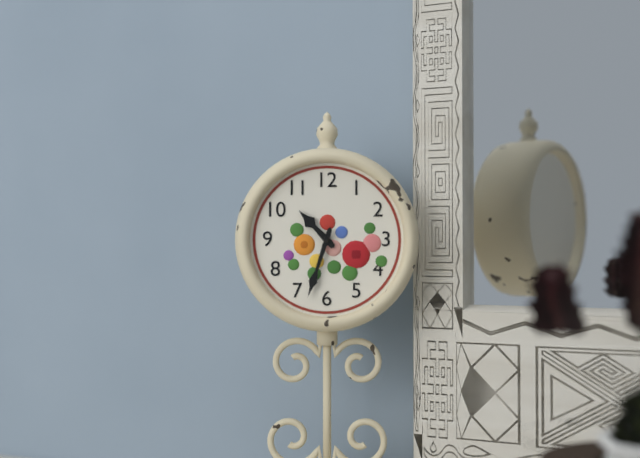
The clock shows 10 h 33 min
